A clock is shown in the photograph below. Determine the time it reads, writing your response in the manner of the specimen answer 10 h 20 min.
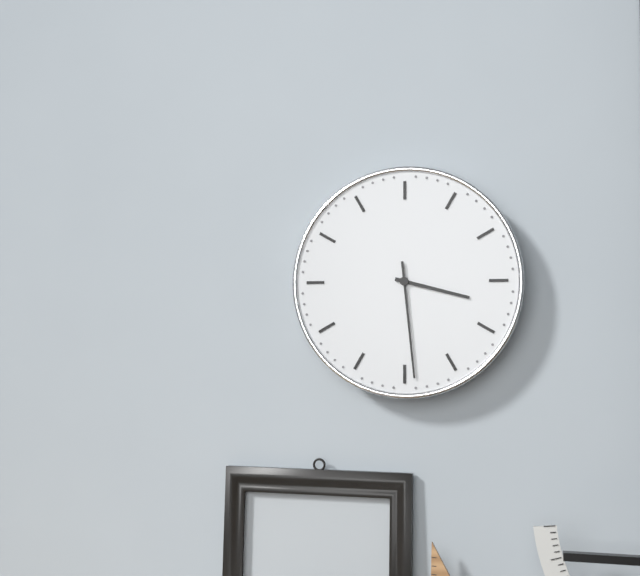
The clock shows 3 h 29 min
